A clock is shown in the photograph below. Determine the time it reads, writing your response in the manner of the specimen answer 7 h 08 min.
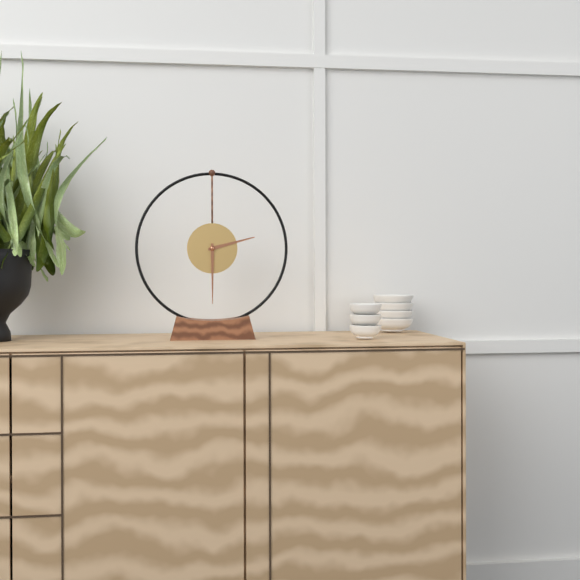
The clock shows 2 h 30 min
